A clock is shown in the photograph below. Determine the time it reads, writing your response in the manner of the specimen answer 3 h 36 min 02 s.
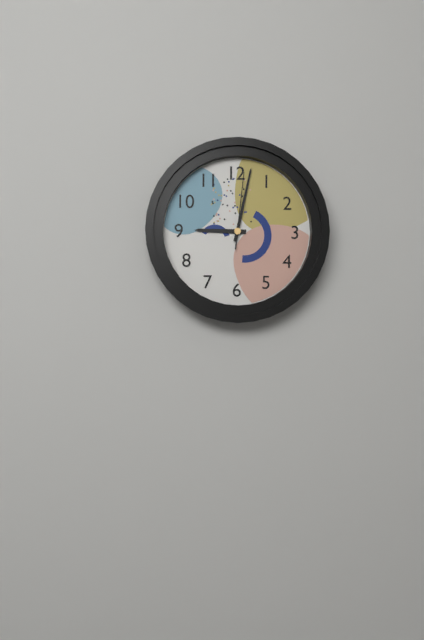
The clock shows 9 h 02 min 01 s
